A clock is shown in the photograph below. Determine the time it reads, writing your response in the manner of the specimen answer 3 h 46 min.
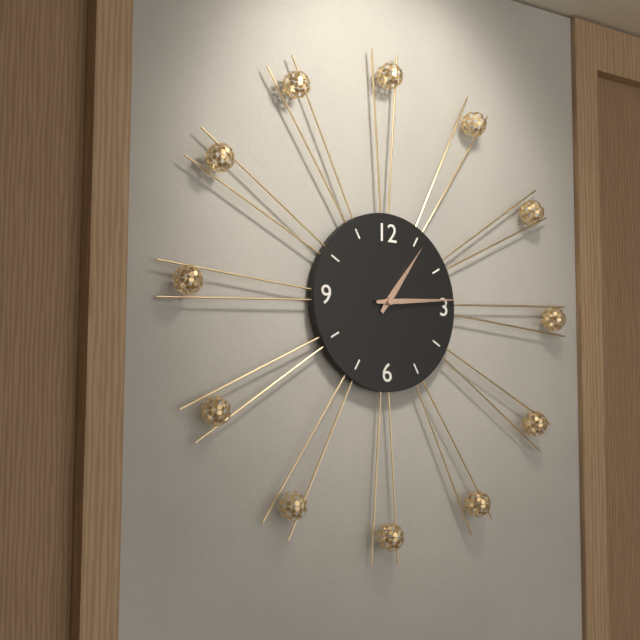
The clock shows 1 h 14 min
